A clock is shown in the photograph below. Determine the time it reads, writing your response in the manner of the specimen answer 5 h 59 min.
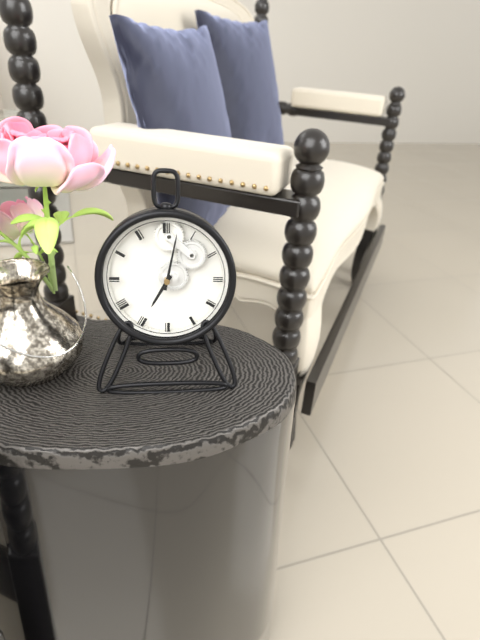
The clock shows 7 h 02 min
